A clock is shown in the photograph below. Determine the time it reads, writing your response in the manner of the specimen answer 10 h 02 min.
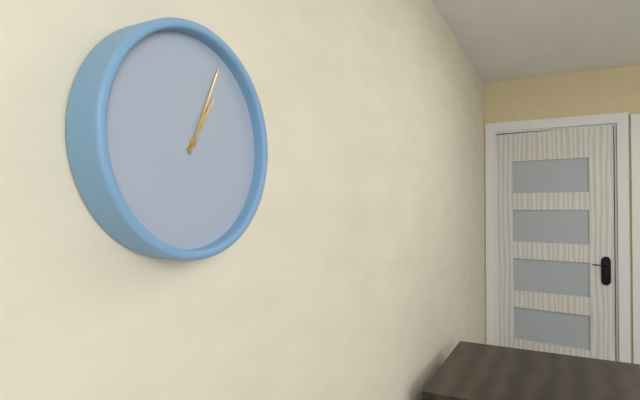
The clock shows 1 h 04 min
